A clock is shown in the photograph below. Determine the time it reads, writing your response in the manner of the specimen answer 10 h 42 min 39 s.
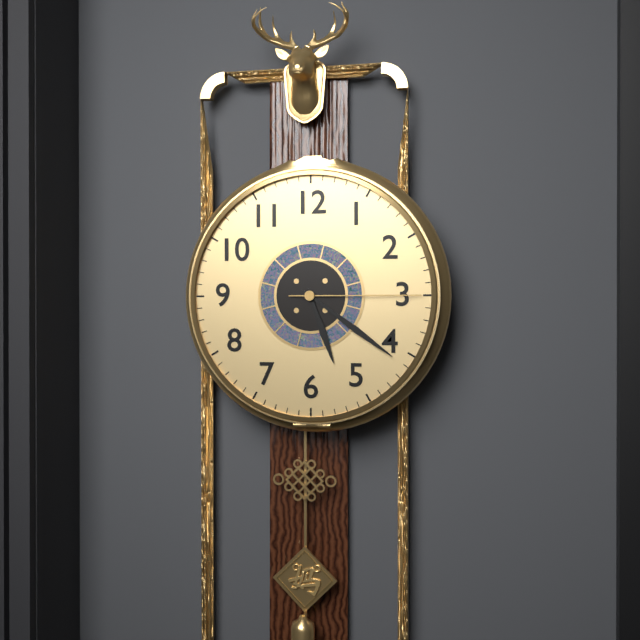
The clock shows 5 h 21 min 15 s
